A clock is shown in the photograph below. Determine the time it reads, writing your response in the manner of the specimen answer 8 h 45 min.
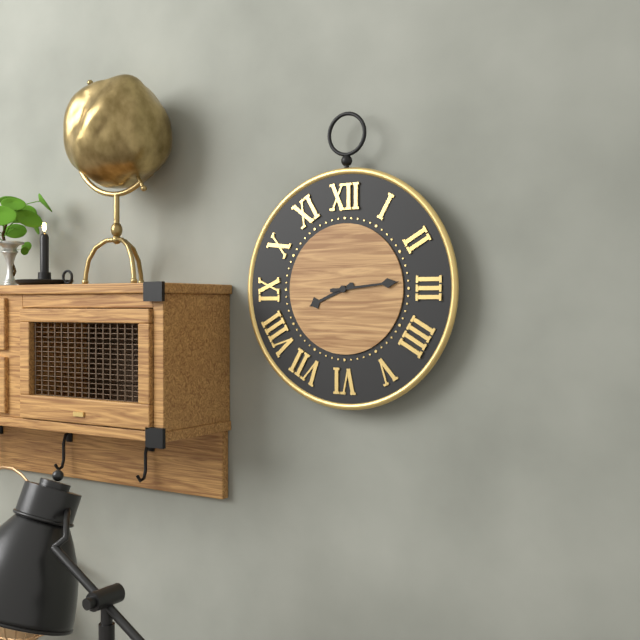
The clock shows 8 h 14 min
